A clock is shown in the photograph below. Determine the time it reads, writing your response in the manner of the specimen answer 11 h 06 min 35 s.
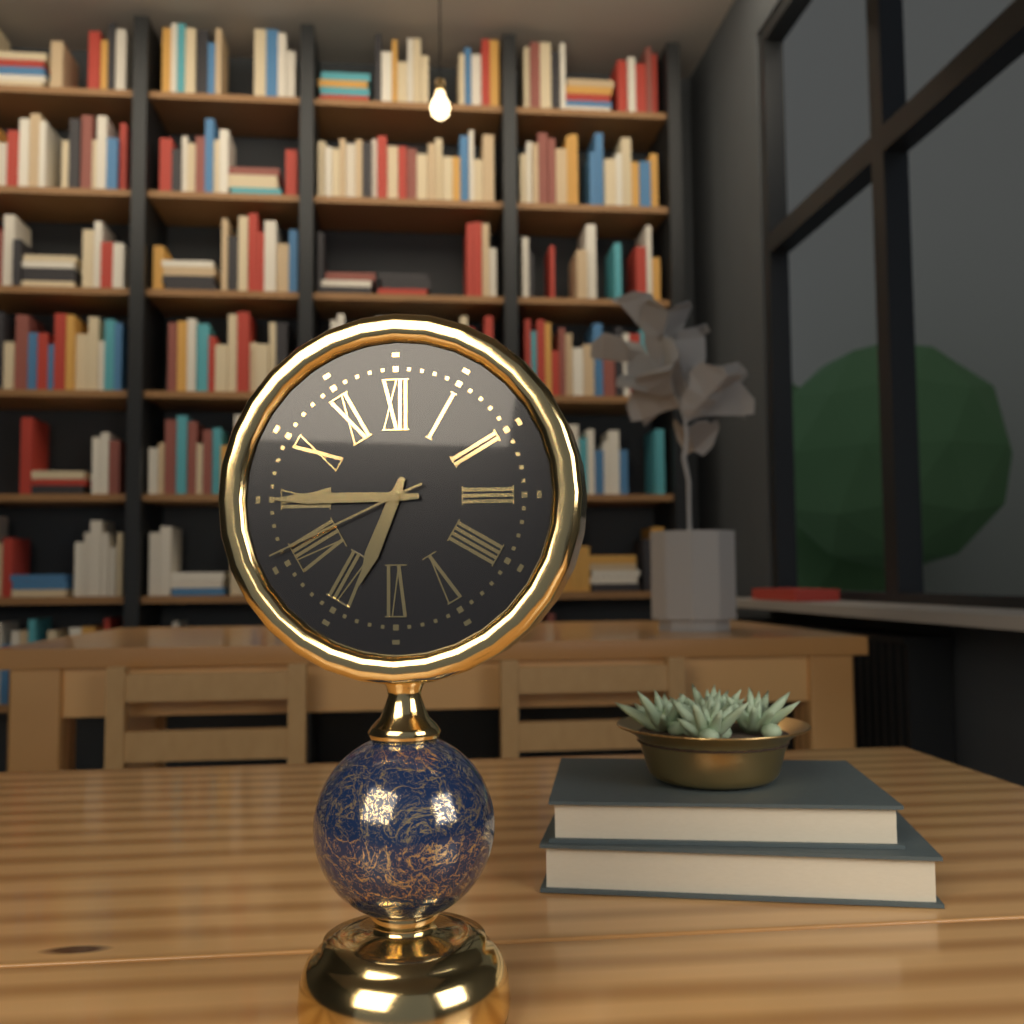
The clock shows 6 h 45 min 41 s
